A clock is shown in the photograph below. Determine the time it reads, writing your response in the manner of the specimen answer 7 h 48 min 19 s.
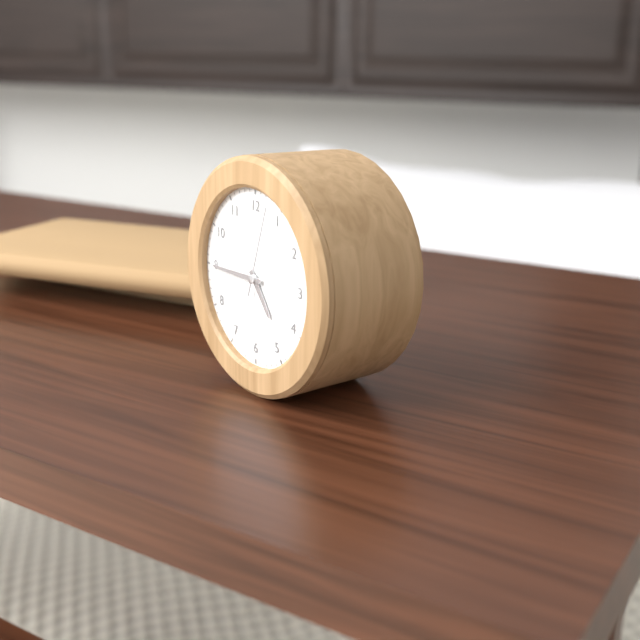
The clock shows 4 h 45 min 03 s
